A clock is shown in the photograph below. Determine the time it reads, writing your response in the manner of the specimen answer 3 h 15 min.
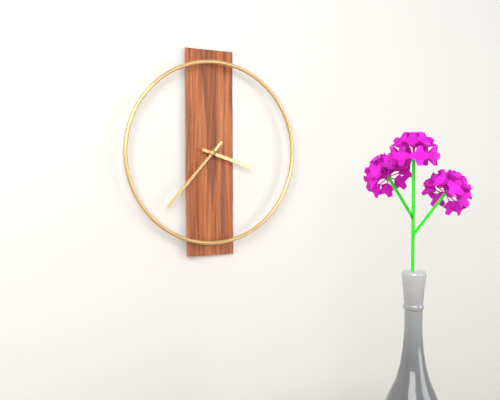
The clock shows 3 h 37 min
